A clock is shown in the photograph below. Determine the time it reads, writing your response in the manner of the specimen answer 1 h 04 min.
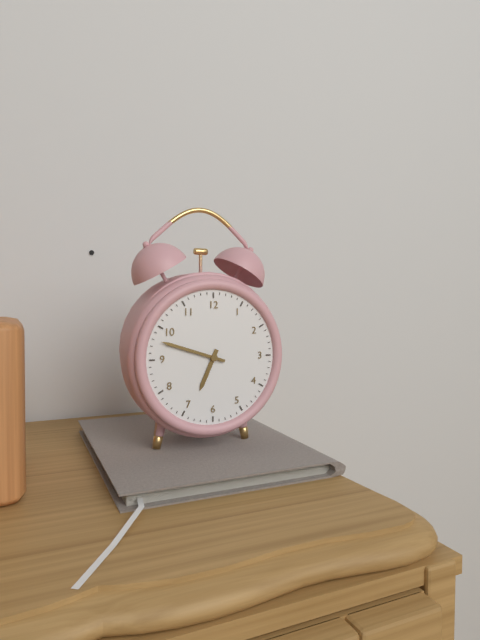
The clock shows 6 h 48 min
